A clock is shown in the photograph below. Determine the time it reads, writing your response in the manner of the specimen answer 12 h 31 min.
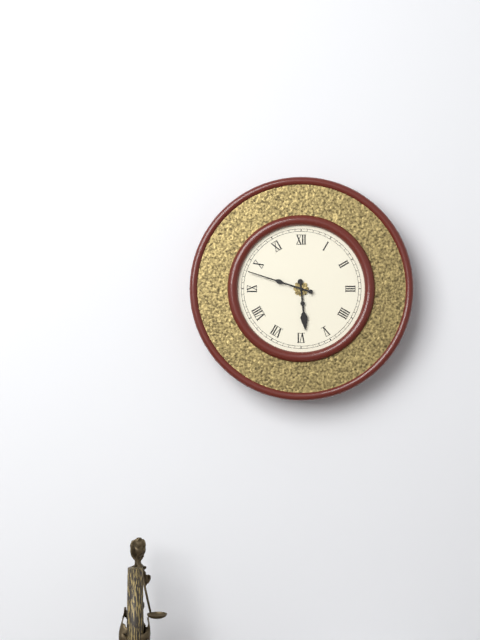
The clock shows 5 h 48 min
